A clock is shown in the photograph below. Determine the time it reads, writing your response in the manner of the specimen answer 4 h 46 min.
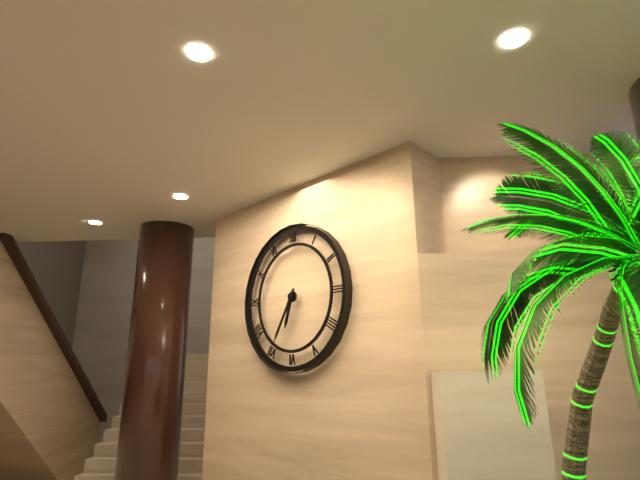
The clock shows 6 h 35 min
